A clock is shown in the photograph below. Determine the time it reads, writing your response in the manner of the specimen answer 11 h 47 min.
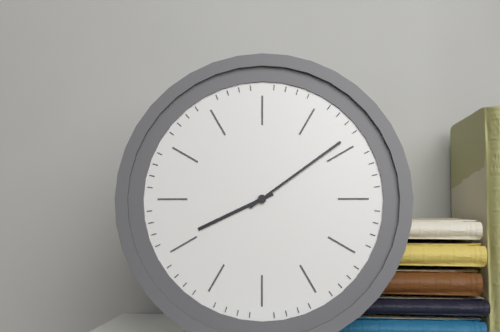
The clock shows 8 h 09 min
